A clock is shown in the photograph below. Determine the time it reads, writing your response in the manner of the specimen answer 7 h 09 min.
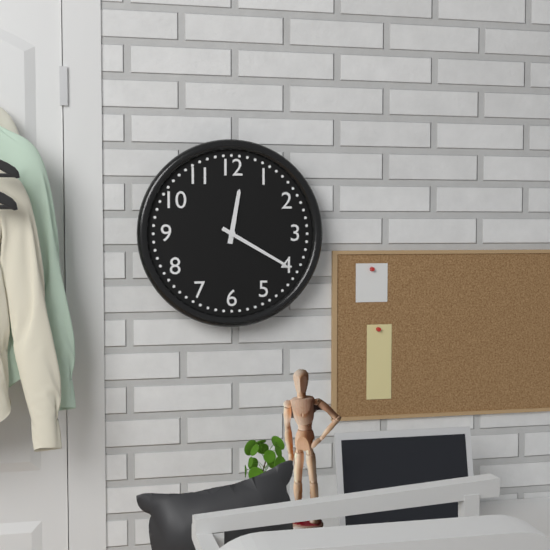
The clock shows 12 h 20 min
